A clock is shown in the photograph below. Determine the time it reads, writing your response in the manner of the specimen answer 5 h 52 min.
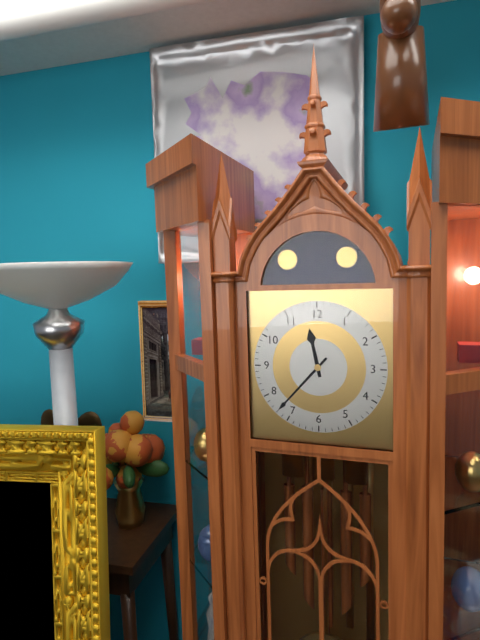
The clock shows 11 h 37 min
